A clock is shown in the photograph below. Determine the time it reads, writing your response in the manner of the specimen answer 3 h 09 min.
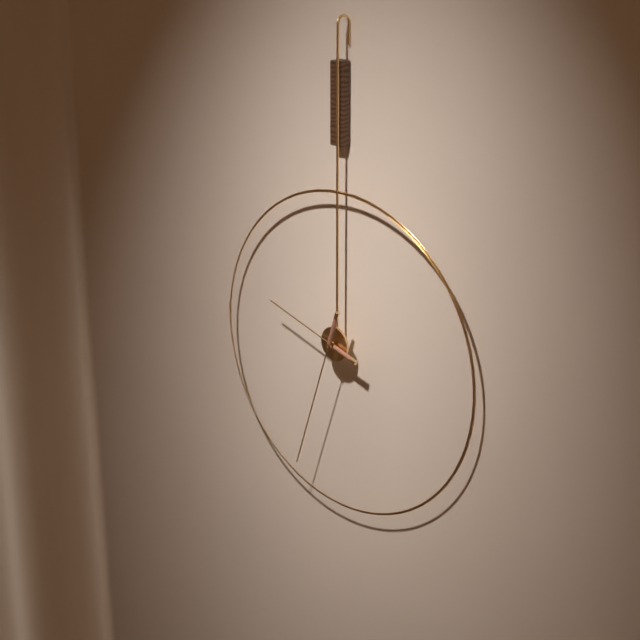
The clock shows 9 h 33 min
